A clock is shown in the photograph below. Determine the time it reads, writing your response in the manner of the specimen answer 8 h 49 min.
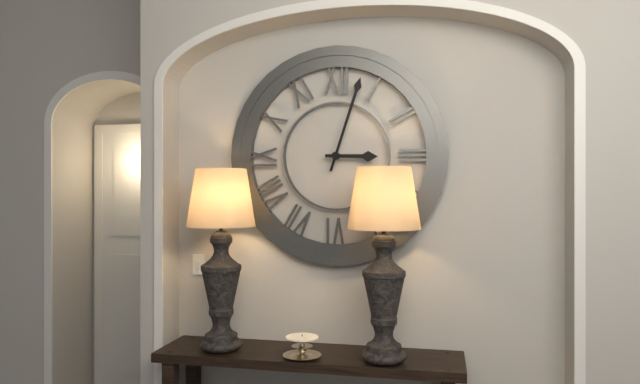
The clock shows 3 h 03 min
